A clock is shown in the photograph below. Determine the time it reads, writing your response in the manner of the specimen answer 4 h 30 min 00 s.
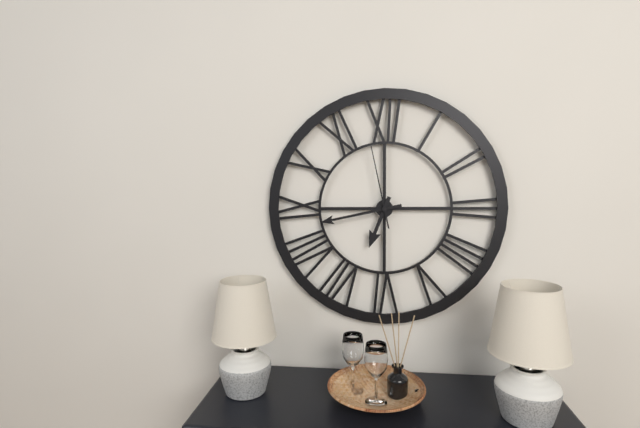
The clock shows 6 h 43 min 58 s
